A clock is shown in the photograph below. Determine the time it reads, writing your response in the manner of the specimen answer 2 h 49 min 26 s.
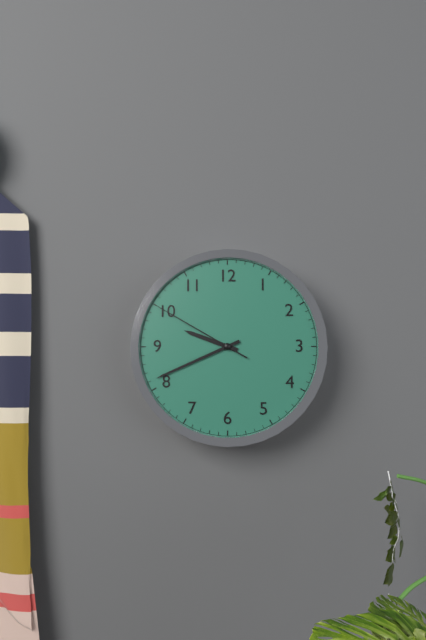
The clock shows 9 h 41 min 50 s
